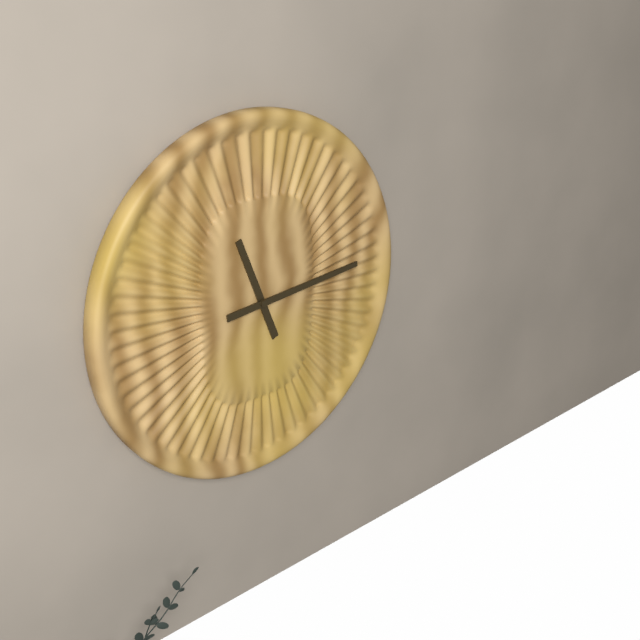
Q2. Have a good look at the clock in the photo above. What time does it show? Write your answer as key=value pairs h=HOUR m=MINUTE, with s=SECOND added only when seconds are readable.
h=11 m=14
